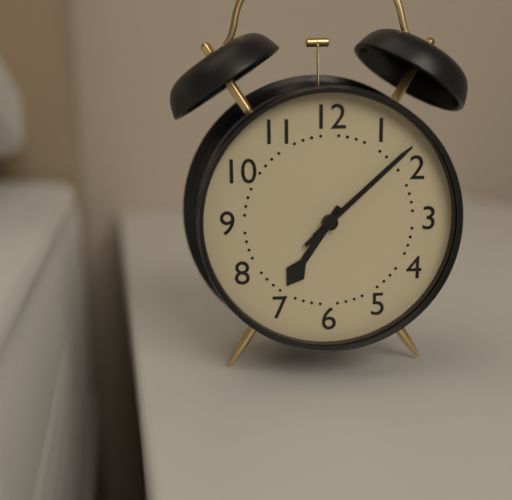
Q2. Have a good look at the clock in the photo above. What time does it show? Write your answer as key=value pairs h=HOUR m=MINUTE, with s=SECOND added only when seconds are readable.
h=7 m=8 s=8
